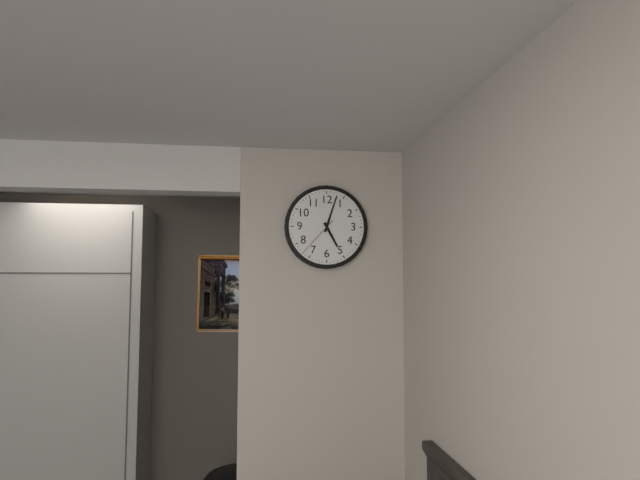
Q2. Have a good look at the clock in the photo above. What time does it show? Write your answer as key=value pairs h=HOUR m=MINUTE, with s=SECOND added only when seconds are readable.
h=5 m=3
